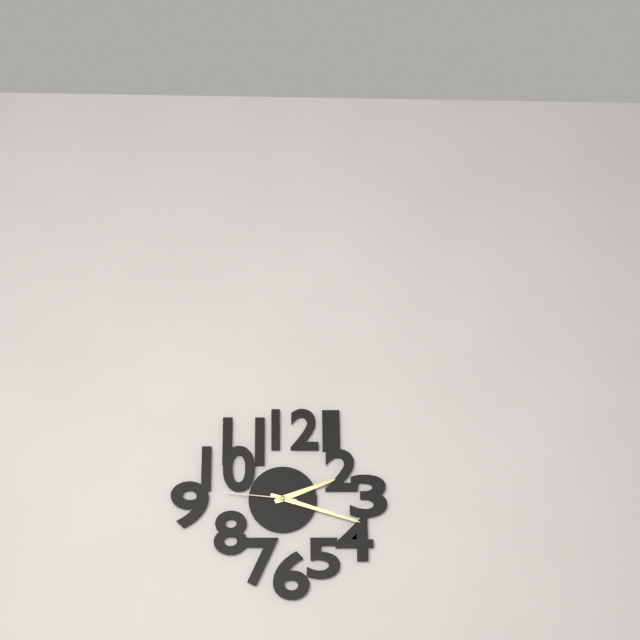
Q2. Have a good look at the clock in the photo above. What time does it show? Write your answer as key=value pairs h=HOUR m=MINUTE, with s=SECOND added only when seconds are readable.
h=2 m=18 s=46
